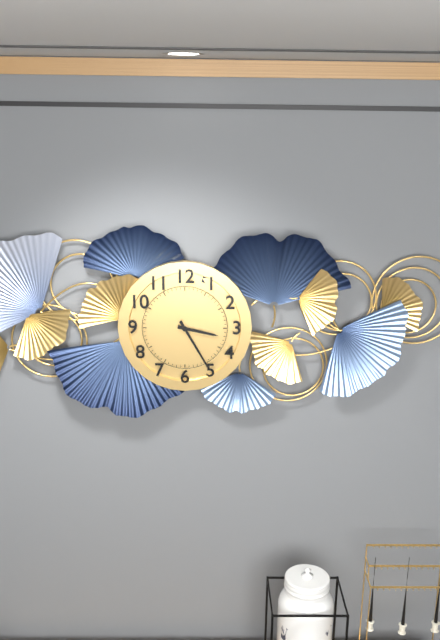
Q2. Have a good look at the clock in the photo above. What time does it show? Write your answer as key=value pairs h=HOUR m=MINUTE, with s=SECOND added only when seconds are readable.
h=3 m=25
